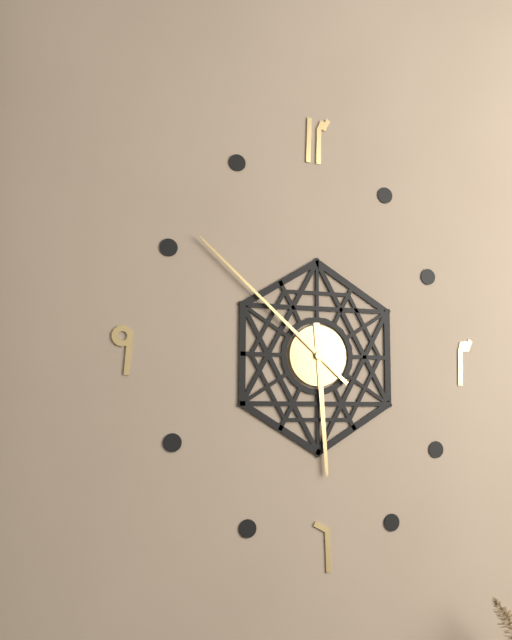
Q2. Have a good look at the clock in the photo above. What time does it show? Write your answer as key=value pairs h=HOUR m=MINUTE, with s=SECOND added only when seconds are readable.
h=5 m=52
